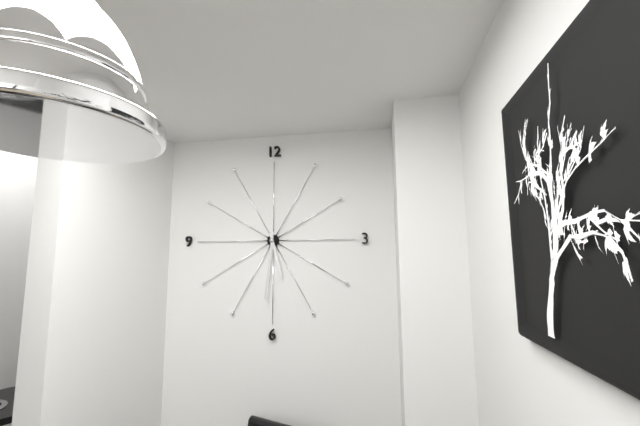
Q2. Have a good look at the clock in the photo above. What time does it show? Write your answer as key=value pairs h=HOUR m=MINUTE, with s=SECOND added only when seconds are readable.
h=5 m=31
